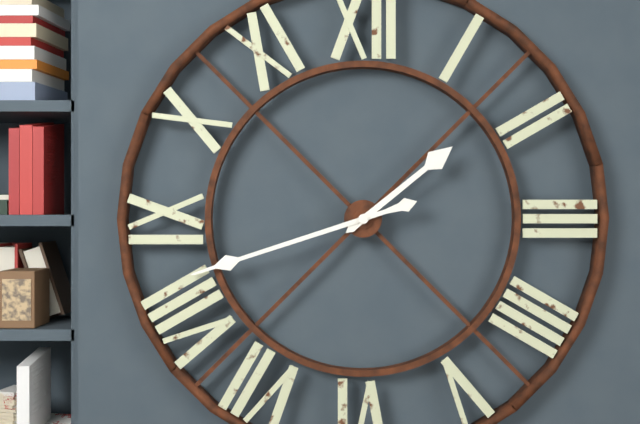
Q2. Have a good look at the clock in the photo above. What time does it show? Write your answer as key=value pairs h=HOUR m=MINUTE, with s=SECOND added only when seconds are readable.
h=1 m=42
